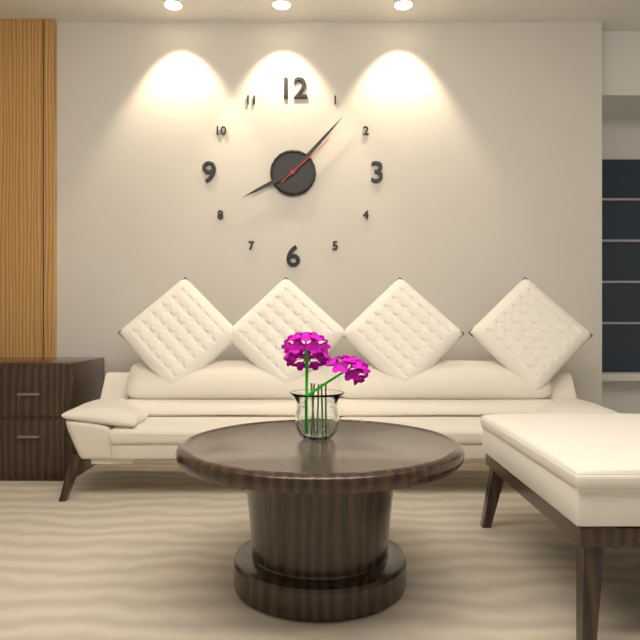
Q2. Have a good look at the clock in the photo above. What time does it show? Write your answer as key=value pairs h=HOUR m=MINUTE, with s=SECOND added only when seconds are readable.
h=8 m=7 s=8
